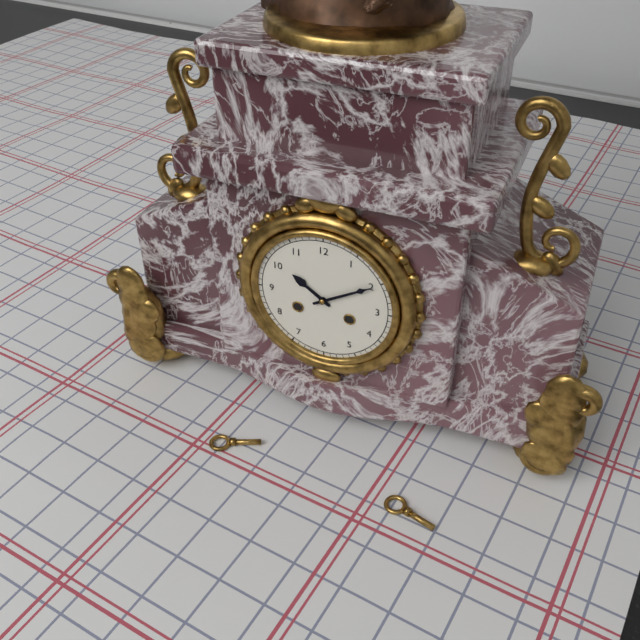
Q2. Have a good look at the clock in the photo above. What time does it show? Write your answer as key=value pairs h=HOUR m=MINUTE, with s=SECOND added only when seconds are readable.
h=10 m=10
